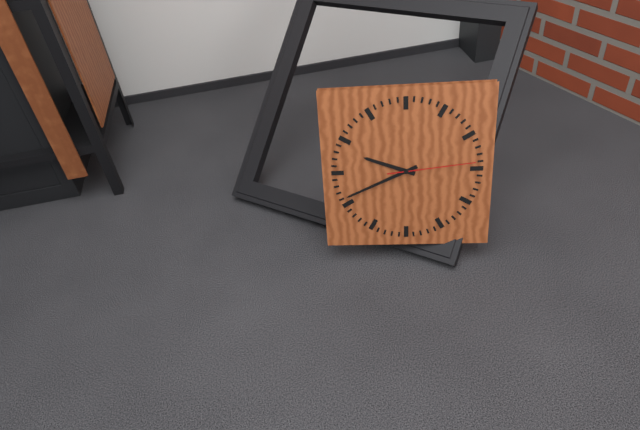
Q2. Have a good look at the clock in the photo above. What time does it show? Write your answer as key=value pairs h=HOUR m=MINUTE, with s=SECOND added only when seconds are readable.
h=9 m=41 s=14
